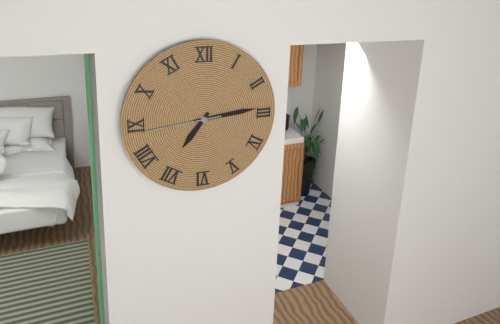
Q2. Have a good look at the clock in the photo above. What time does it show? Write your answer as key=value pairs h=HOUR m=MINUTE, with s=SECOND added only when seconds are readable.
h=7 m=14 s=44
